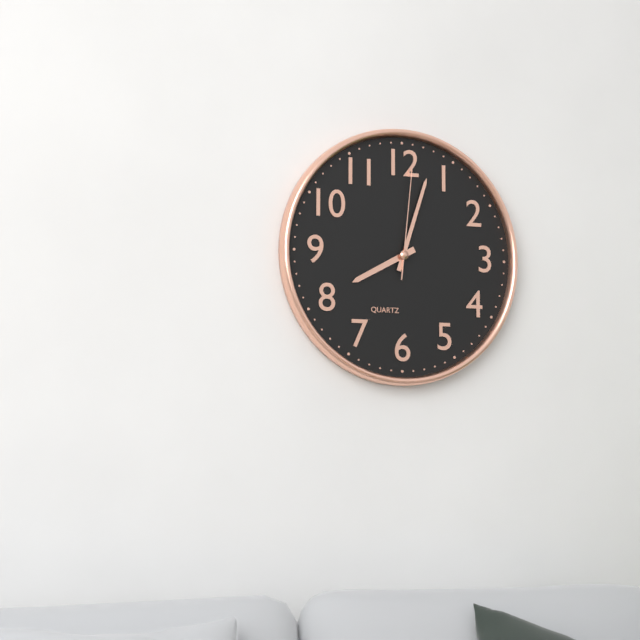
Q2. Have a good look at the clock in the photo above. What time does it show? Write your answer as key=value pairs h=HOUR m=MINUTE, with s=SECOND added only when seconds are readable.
h=8 m=3 s=1
